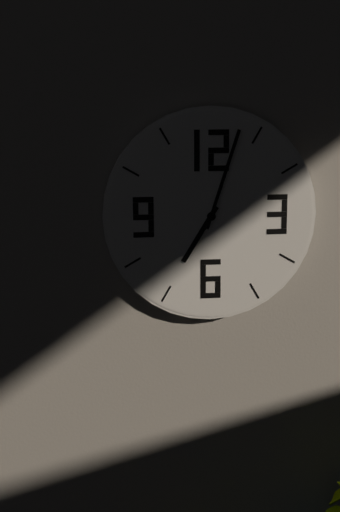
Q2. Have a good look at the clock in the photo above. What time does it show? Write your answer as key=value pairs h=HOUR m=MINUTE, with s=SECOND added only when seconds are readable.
h=7 m=3
